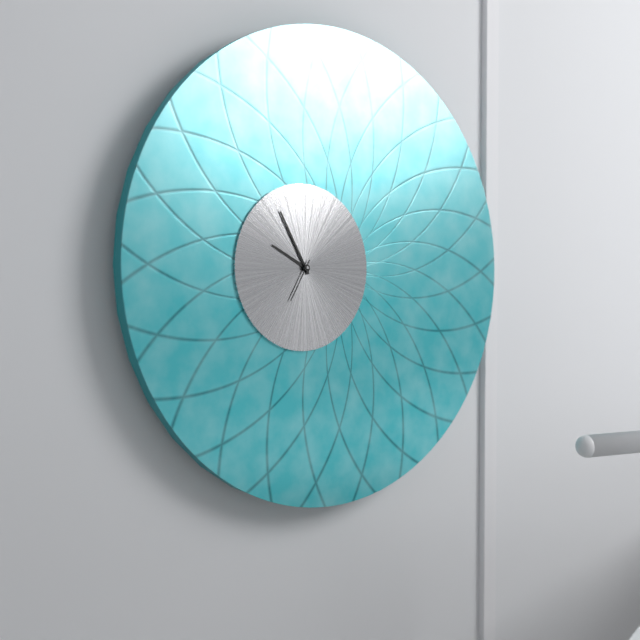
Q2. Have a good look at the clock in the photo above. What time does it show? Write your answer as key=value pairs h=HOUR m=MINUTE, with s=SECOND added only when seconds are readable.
h=9 m=55
